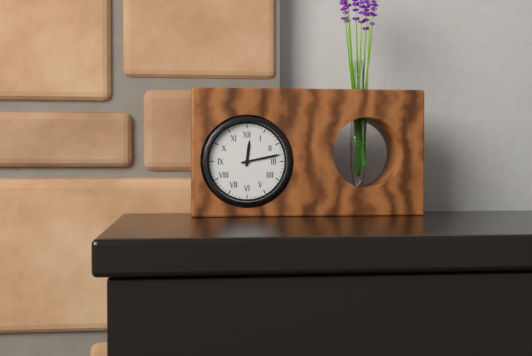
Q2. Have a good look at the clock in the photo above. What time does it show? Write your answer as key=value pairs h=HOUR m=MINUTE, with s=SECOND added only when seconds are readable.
h=12 m=13
